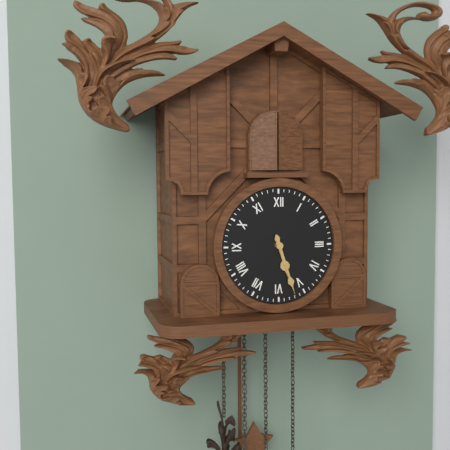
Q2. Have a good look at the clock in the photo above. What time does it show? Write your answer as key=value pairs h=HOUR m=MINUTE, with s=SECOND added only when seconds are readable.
h=5 m=27
